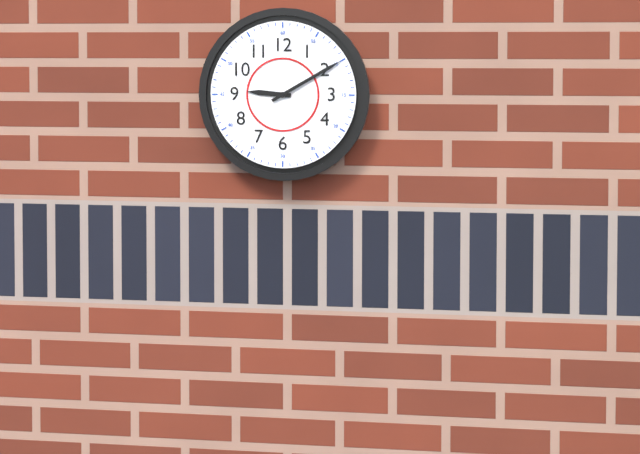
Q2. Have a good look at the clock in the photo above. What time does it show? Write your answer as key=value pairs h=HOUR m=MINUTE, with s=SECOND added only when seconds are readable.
h=9 m=10
